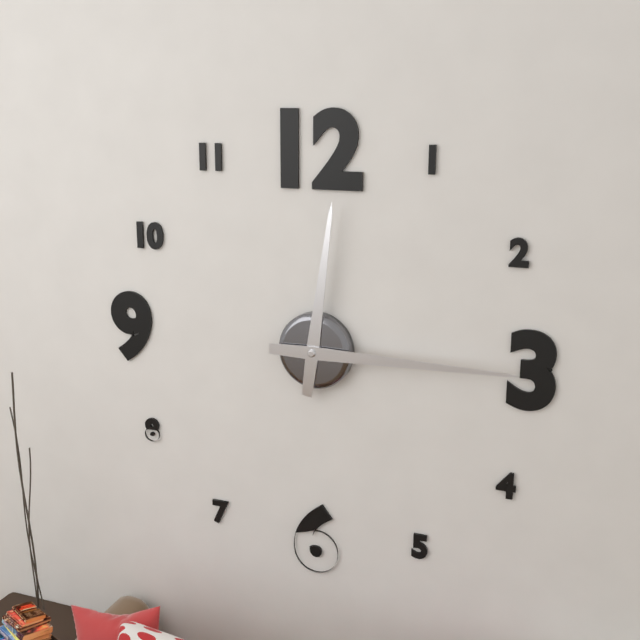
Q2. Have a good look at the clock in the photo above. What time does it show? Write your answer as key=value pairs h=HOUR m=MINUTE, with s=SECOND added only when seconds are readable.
h=12 m=15
